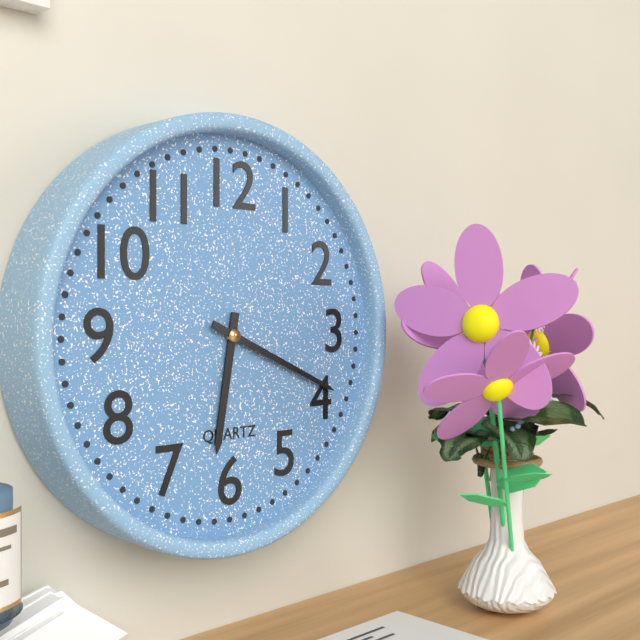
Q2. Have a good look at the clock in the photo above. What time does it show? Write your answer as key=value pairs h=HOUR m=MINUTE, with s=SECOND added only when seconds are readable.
h=6 m=19
